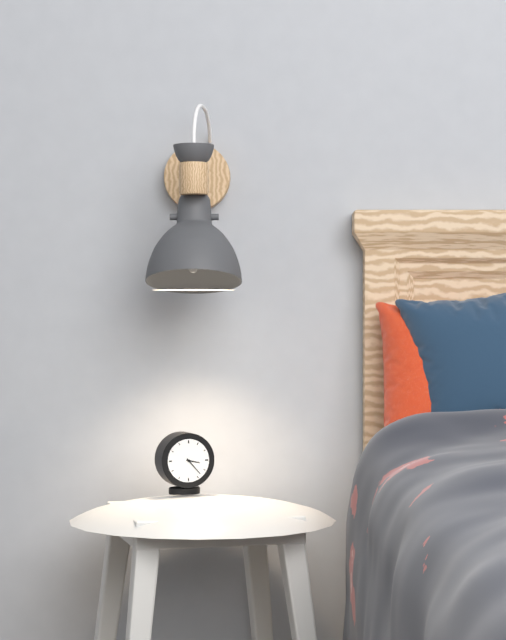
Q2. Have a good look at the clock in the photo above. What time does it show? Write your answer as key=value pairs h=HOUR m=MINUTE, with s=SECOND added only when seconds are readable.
h=3 m=23
